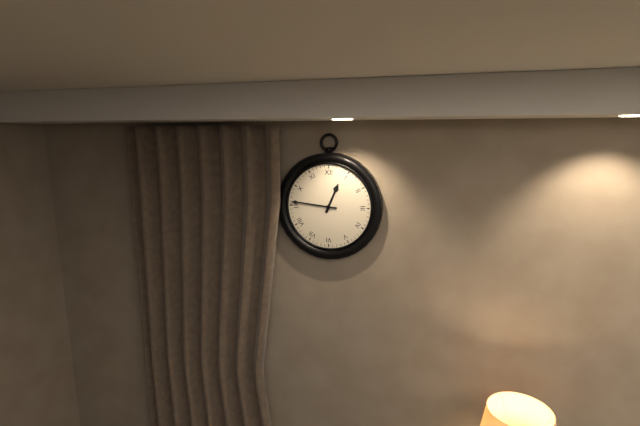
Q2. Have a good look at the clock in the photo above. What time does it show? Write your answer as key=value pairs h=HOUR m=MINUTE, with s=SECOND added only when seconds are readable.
h=12 m=46
